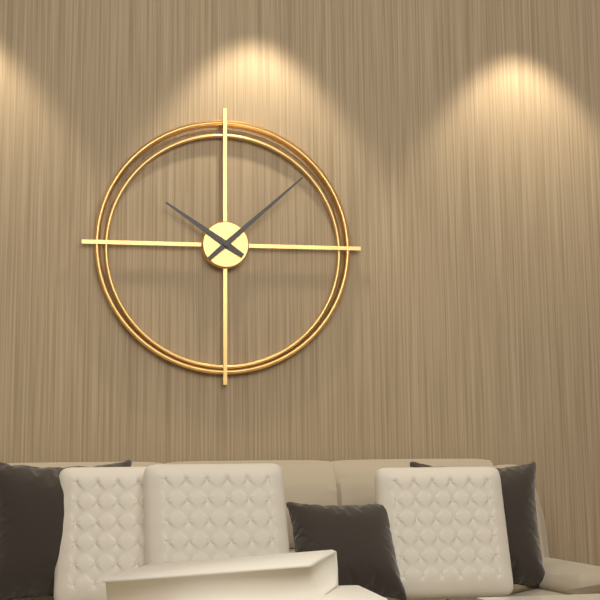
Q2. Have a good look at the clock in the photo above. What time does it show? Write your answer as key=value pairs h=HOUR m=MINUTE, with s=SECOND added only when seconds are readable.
h=10 m=8
